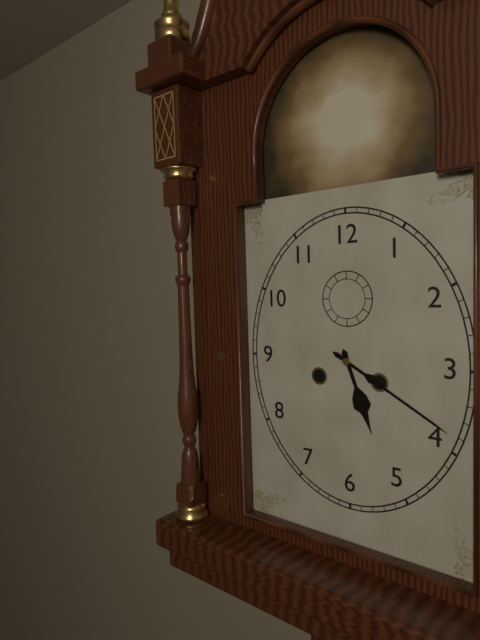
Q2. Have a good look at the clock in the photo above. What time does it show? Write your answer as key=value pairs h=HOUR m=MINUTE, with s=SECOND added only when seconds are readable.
h=5 m=20
